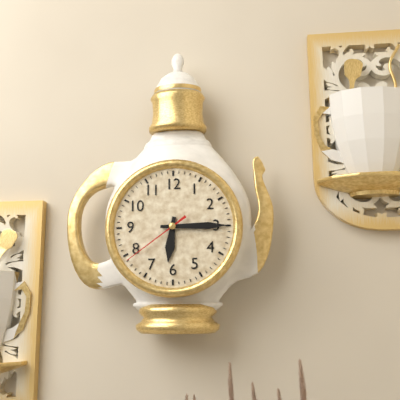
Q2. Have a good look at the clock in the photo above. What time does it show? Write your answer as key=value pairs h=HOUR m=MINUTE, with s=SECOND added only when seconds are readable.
h=6 m=15 s=39
